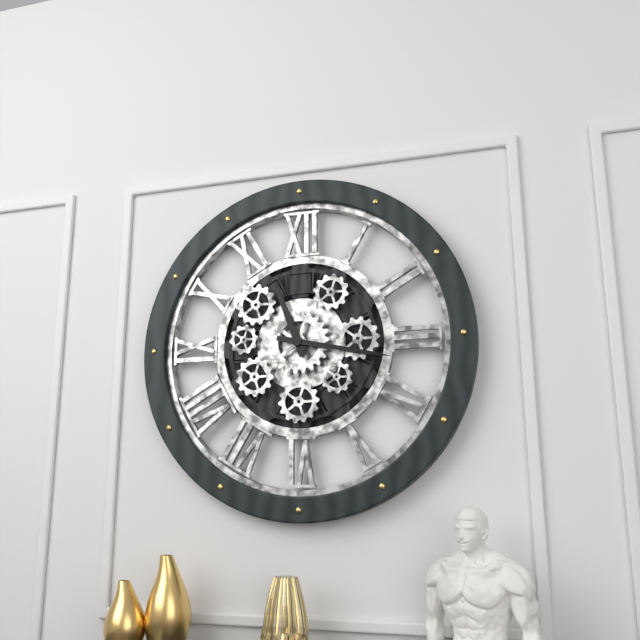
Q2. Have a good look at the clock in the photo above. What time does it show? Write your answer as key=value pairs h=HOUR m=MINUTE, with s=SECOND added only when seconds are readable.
h=11 m=17
